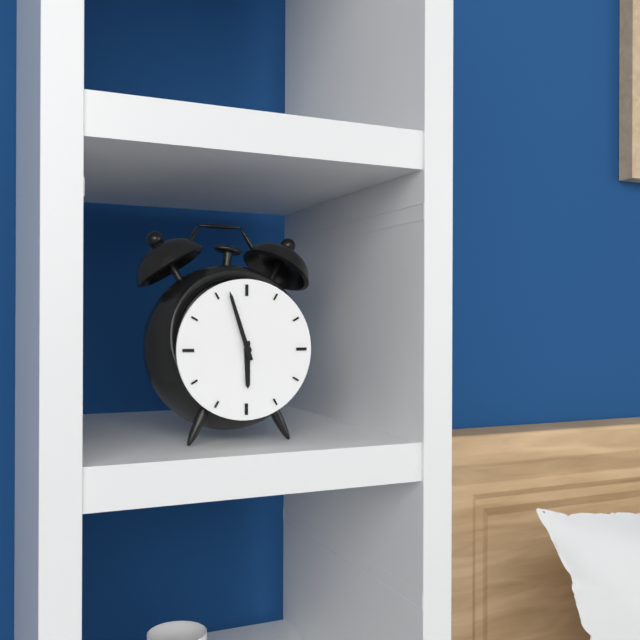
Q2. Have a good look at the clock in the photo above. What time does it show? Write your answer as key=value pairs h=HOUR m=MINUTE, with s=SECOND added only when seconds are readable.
h=5 m=57
